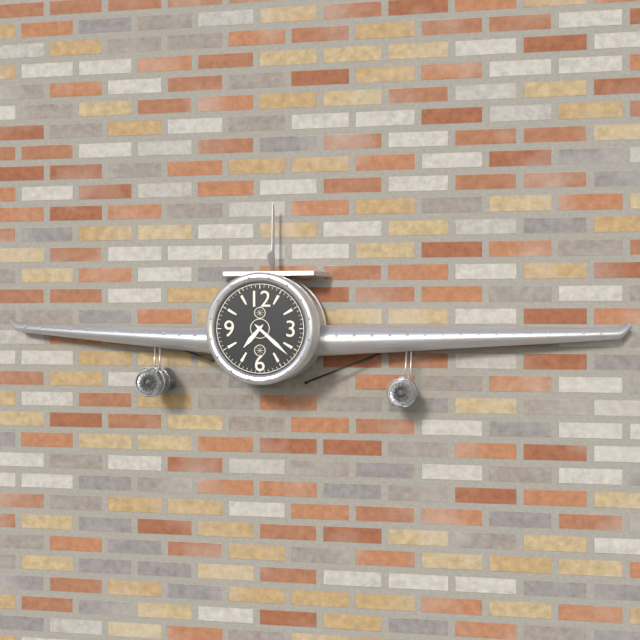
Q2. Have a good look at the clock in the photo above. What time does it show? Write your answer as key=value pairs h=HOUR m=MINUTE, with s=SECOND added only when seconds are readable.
h=7 m=22
